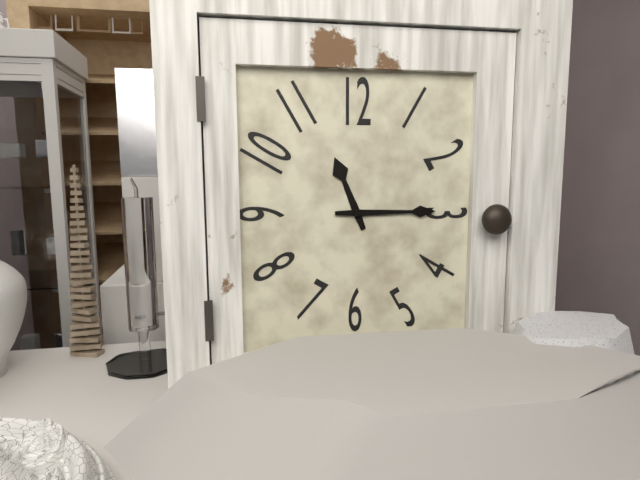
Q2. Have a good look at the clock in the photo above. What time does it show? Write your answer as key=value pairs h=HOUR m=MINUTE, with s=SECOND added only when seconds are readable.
h=11 m=15
